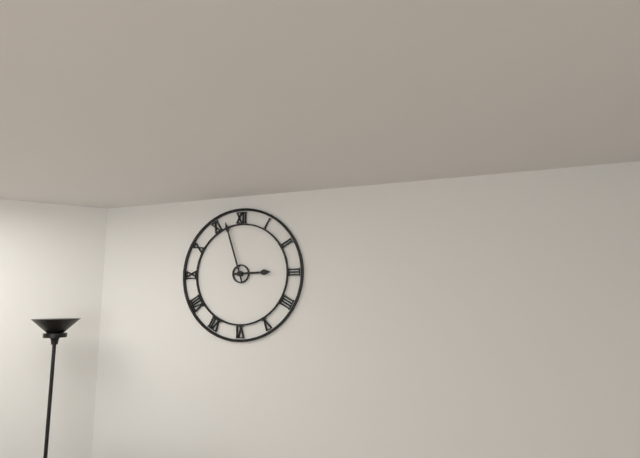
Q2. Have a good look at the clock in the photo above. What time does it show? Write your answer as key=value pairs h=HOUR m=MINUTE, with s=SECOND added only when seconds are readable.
h=2 m=57
